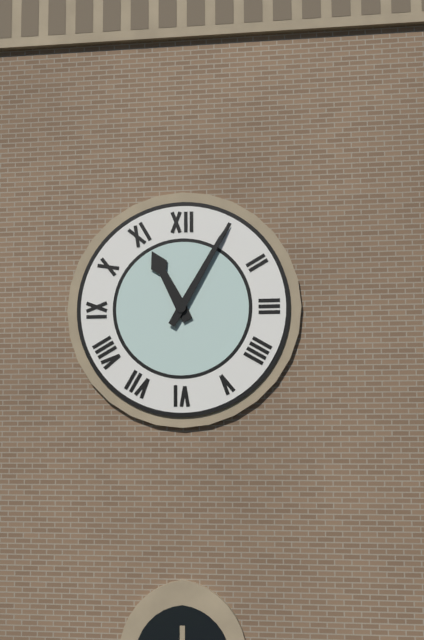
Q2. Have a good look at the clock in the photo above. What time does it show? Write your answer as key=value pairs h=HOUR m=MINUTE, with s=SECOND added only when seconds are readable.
h=11 m=5
